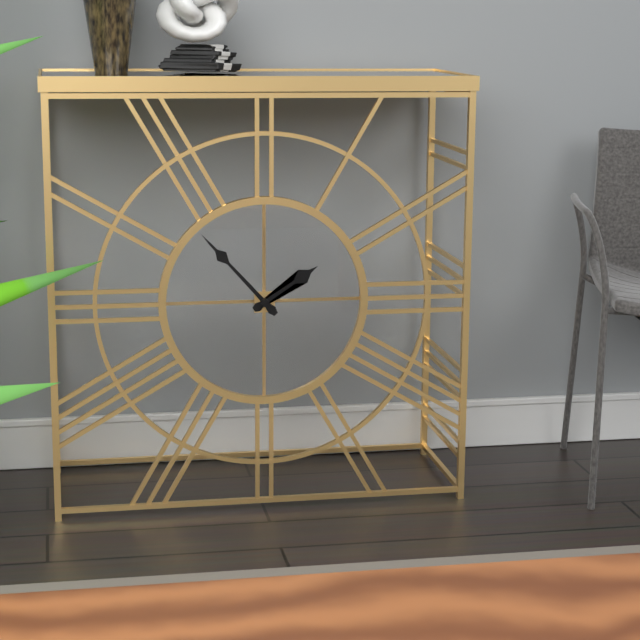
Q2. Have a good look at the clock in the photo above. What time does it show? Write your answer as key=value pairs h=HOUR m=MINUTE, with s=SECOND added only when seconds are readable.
h=1 m=53
